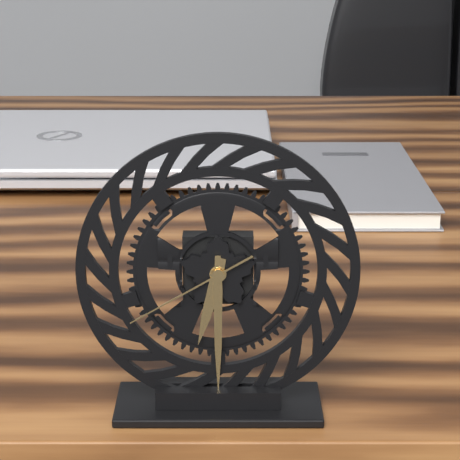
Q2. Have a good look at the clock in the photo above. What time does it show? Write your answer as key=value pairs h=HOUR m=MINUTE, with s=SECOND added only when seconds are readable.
h=6 m=30 s=40
